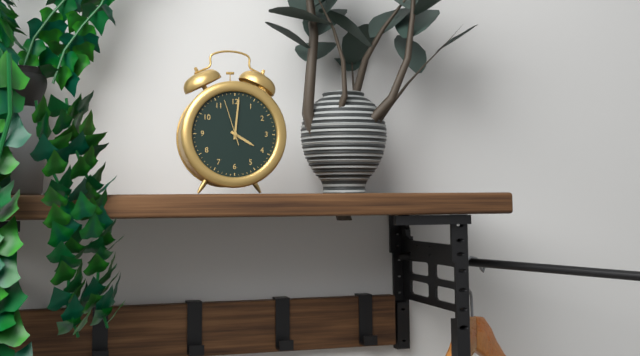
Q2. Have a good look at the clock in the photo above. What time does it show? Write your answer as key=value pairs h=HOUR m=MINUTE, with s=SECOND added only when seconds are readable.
h=4 m=1
